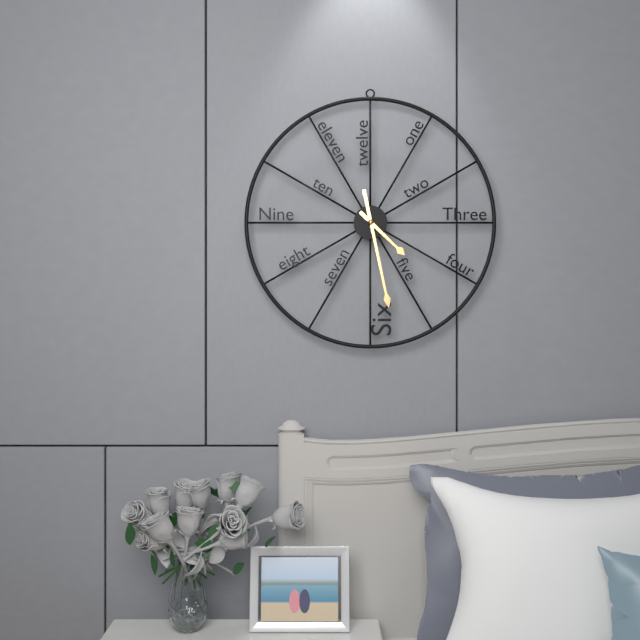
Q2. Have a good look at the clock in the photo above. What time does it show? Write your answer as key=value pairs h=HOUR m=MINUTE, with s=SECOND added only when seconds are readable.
h=4 m=28
